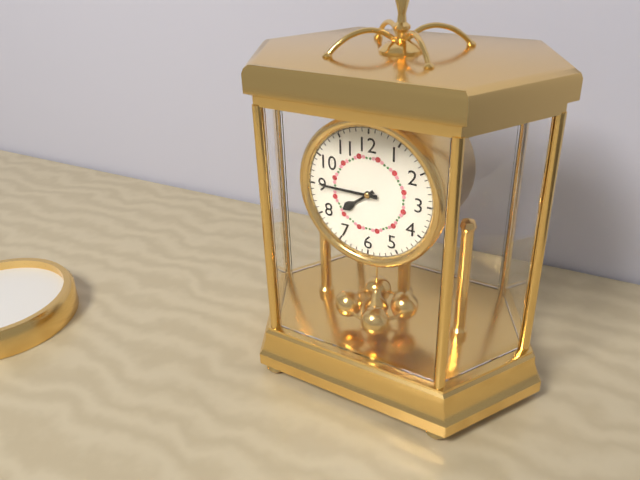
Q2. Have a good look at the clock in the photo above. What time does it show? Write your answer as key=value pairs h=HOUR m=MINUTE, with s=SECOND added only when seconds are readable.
h=7 m=45
